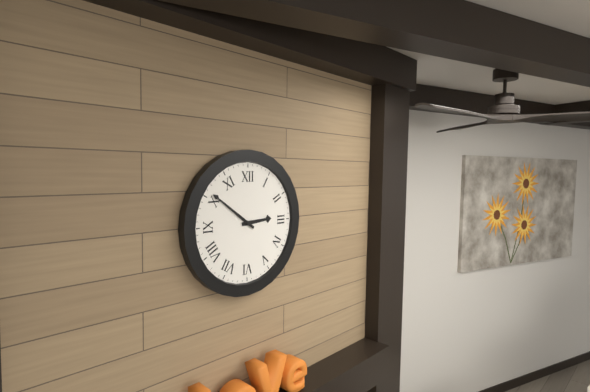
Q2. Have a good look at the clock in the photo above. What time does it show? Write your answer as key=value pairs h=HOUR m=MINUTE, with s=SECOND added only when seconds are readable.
h=2 m=51
